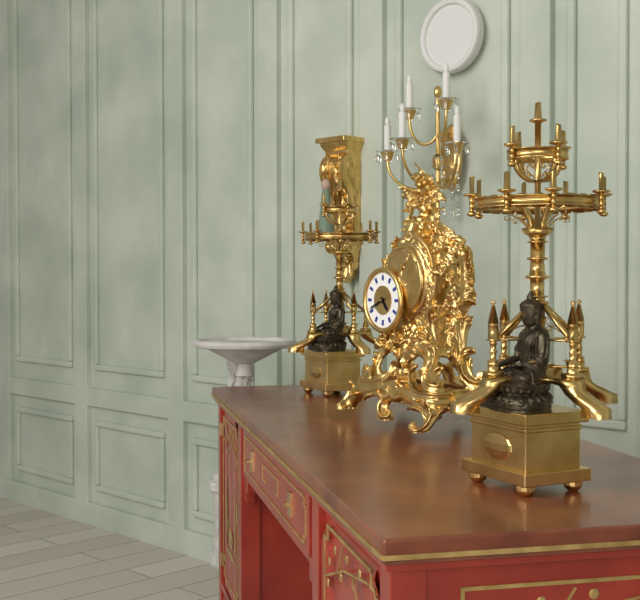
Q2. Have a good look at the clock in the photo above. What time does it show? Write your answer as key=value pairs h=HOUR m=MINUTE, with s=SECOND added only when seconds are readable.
h=4 m=41
